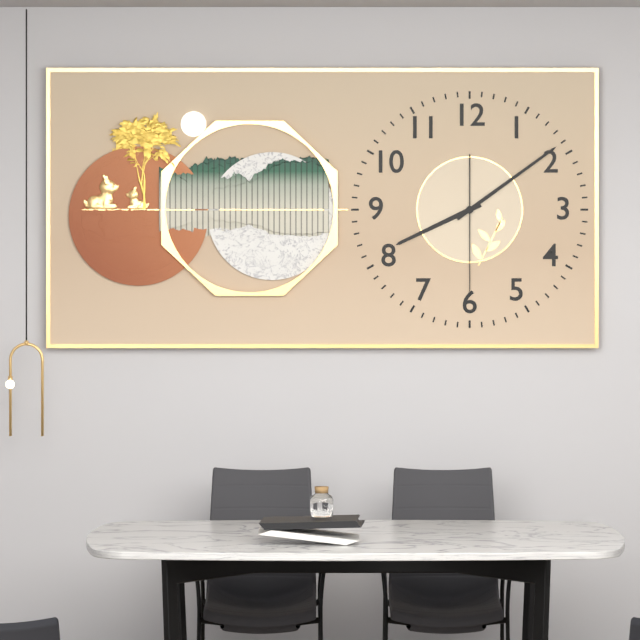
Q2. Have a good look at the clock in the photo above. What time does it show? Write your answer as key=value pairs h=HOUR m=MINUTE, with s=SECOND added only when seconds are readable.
h=8 m=9 s=30
